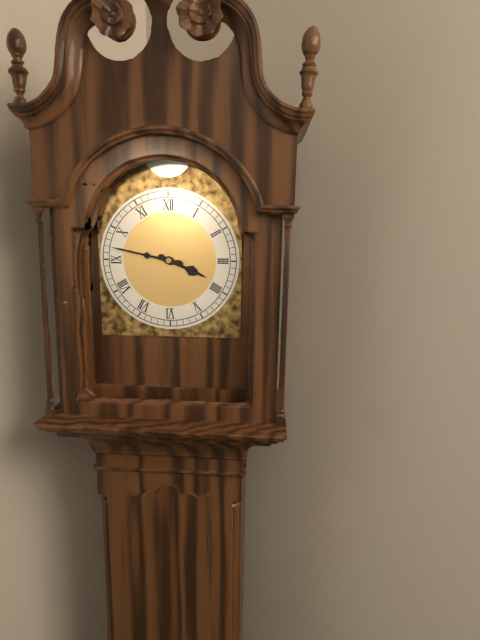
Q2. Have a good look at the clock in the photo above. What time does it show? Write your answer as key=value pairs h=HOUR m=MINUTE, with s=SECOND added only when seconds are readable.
h=3 m=47
